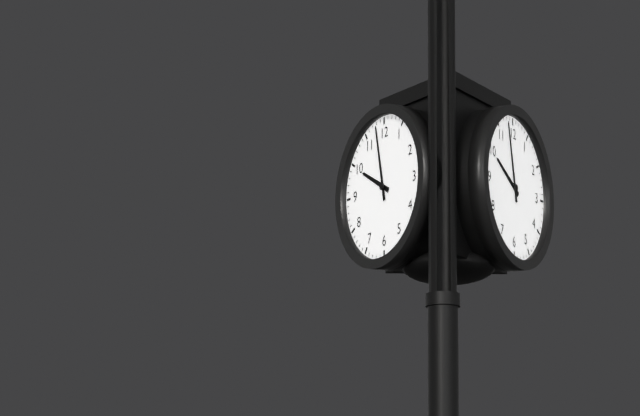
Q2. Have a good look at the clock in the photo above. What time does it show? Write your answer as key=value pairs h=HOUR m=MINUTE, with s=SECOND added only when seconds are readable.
h=9 m=58
